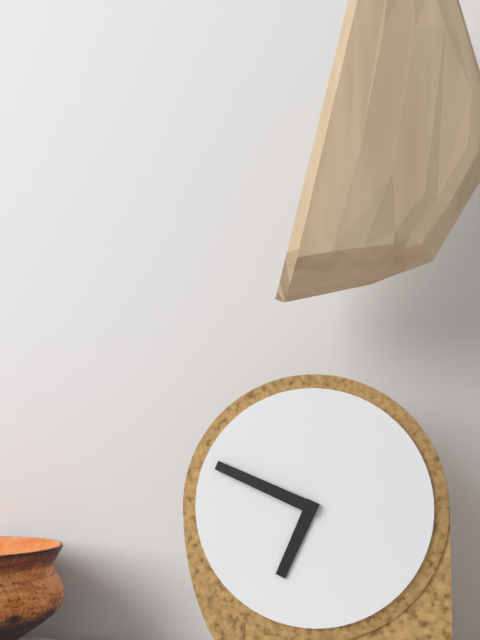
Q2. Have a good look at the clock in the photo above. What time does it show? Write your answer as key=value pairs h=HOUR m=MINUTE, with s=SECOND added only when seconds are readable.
h=6 m=49
